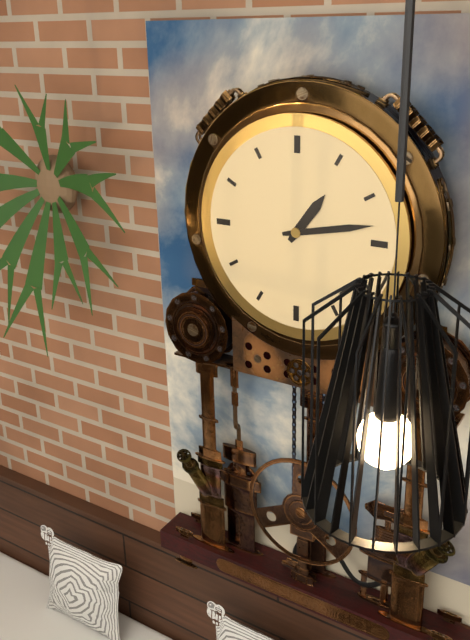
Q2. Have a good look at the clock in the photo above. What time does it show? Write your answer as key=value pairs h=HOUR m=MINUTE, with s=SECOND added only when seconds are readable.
h=1 m=13
